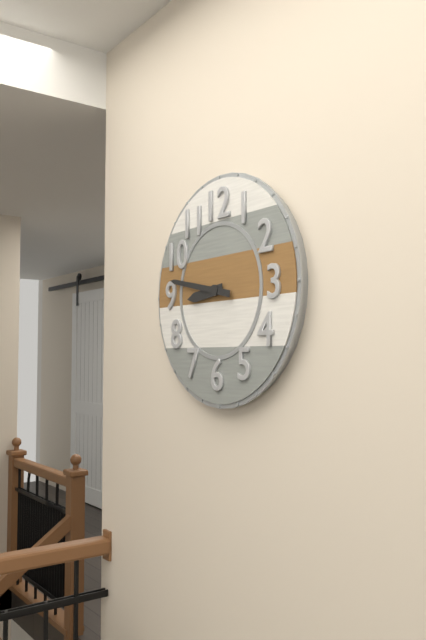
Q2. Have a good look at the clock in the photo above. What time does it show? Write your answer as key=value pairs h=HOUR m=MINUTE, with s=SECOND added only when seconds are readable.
h=8 m=47
